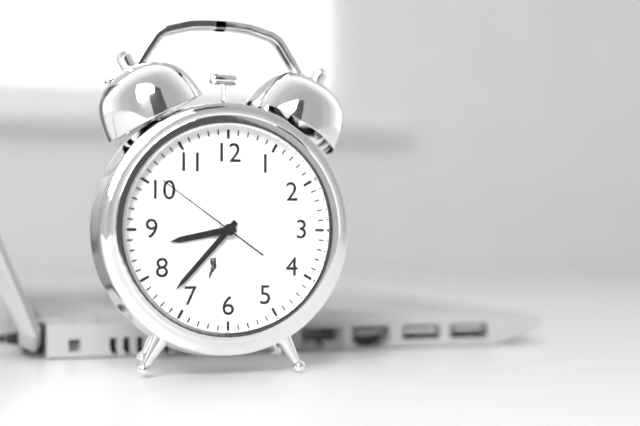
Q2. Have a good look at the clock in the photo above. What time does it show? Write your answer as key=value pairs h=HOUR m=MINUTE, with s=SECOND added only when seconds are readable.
h=8 m=37 s=51
